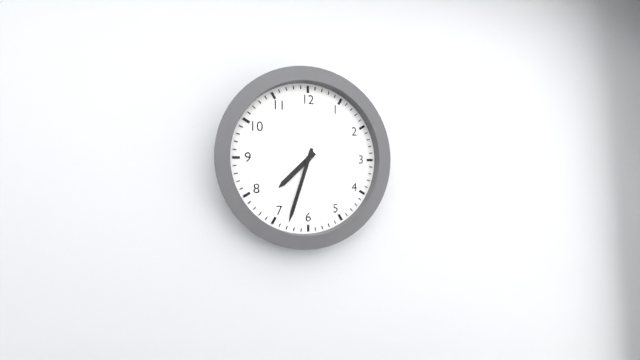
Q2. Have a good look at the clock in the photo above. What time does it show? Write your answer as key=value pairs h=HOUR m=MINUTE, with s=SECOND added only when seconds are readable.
h=7 m=33
